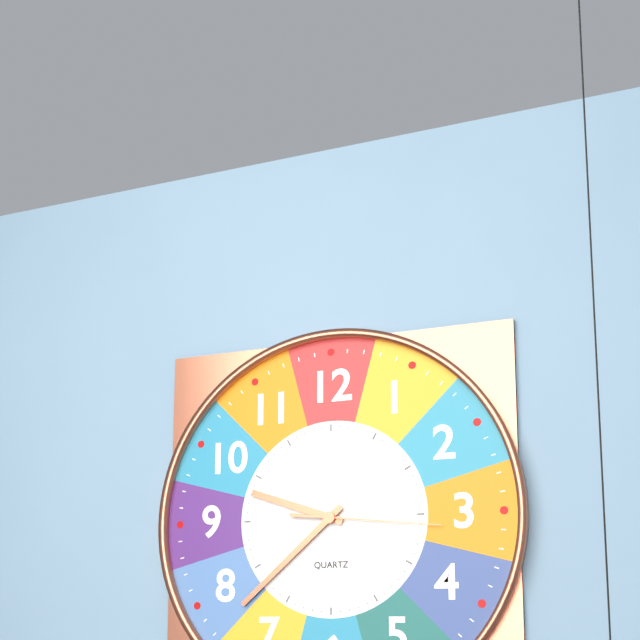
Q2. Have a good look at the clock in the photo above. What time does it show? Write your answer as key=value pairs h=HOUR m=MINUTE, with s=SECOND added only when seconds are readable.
h=9 m=38 s=16
